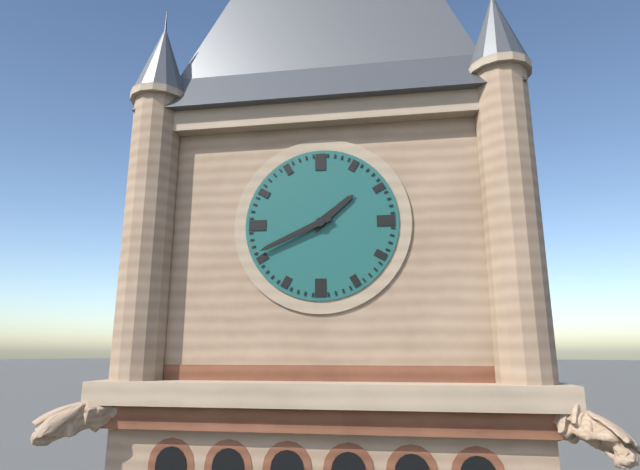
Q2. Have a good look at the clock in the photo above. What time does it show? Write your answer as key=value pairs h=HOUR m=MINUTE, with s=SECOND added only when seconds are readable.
h=1 m=41
